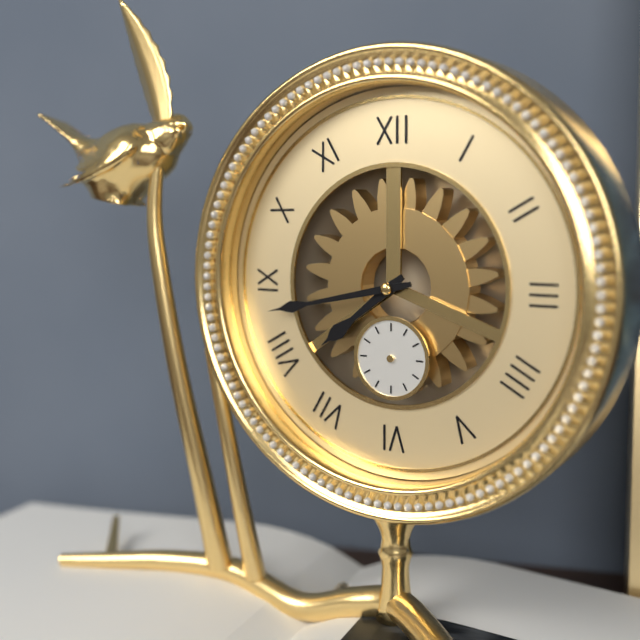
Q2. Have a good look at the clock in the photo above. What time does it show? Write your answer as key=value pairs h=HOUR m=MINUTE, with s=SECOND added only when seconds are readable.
h=7 m=43
